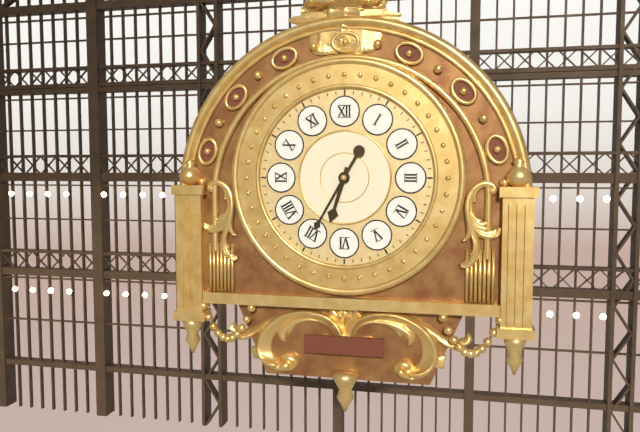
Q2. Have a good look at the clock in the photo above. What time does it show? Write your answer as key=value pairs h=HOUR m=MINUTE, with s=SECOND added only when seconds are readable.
h=6 m=35
